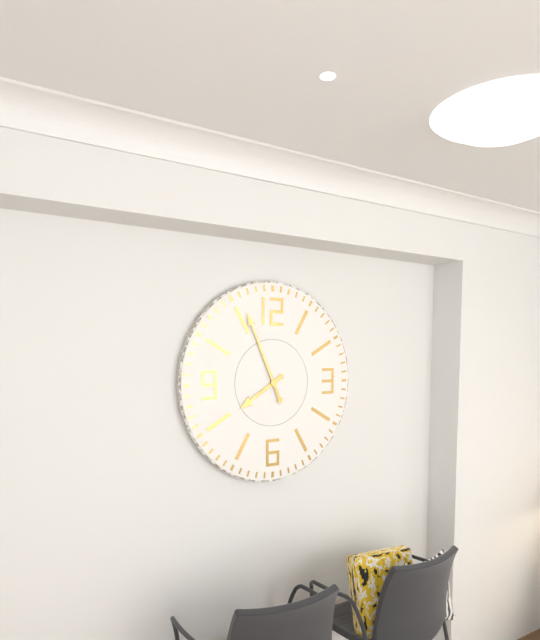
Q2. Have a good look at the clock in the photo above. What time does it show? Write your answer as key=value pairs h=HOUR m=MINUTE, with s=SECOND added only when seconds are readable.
h=7 m=56
